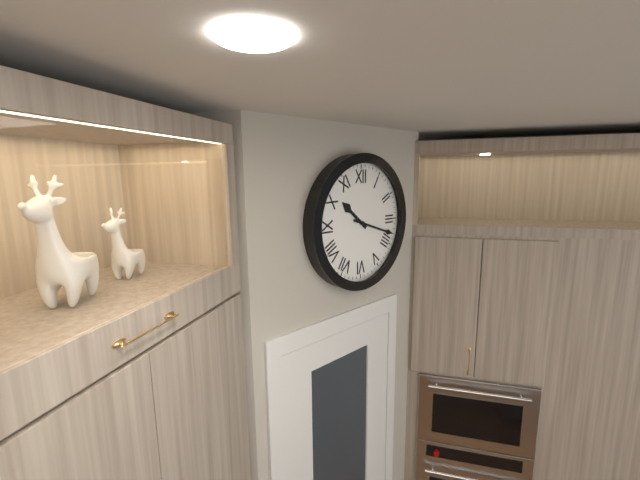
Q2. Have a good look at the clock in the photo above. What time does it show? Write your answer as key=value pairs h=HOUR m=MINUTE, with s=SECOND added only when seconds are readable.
h=10 m=18
